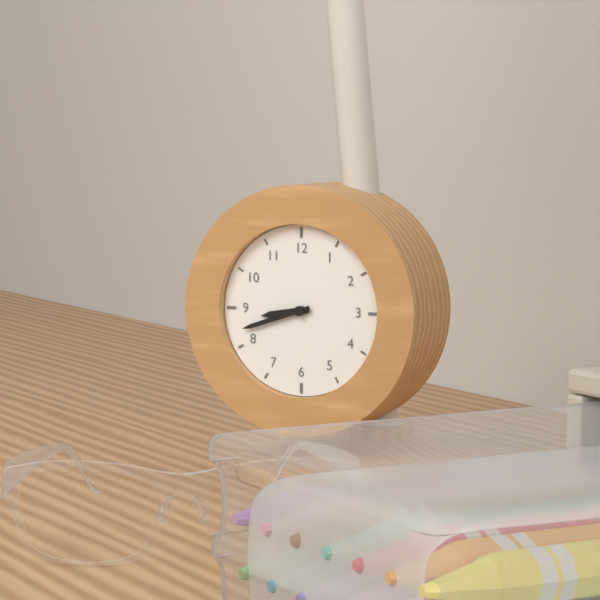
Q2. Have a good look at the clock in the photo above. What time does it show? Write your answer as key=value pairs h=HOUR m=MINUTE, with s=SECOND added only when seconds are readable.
h=8 m=42
